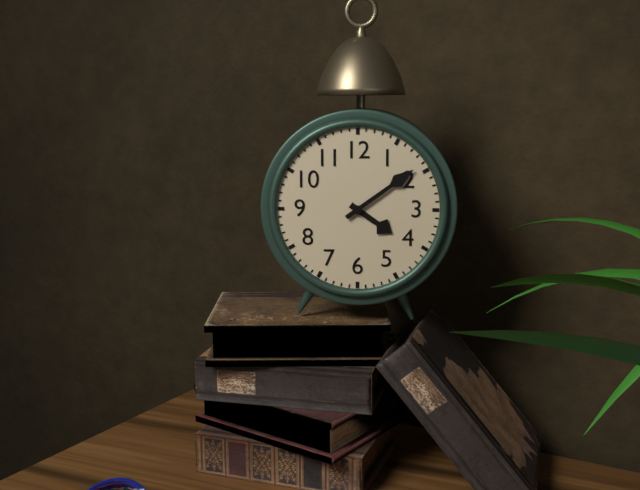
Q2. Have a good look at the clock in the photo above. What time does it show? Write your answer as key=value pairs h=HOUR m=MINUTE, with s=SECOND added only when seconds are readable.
h=4 m=9
